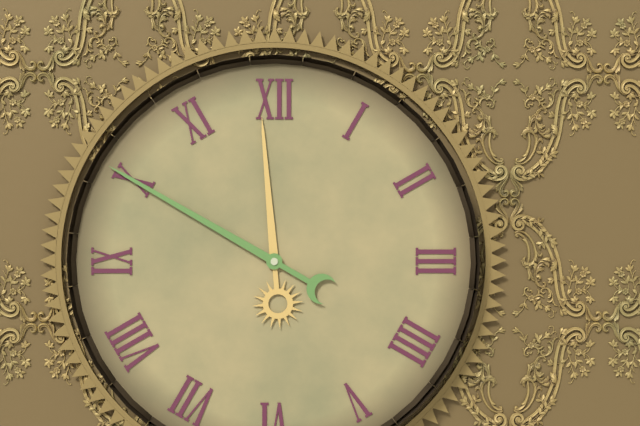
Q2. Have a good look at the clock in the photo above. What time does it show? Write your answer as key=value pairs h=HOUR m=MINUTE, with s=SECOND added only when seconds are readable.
h=11 m=50
